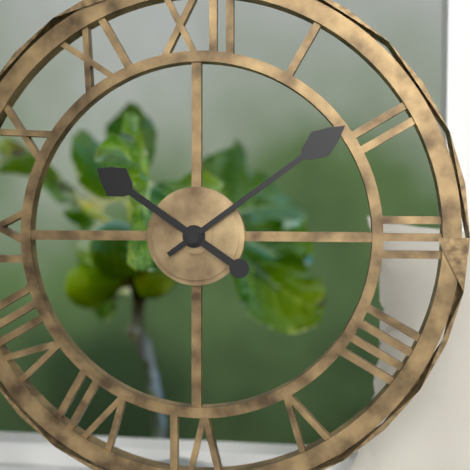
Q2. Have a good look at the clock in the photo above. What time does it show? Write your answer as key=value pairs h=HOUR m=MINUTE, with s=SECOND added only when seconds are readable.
h=10 m=9
